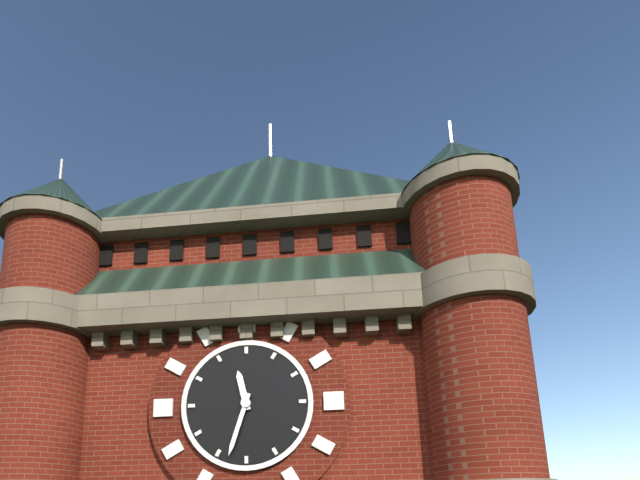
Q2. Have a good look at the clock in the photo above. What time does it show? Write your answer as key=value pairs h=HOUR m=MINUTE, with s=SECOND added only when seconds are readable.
h=11 m=33
